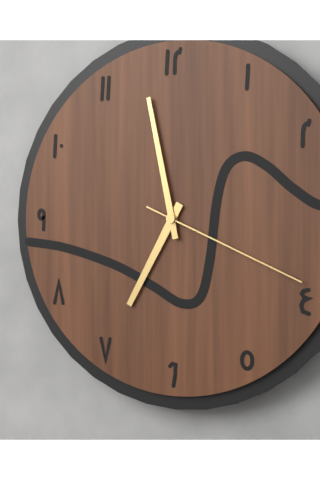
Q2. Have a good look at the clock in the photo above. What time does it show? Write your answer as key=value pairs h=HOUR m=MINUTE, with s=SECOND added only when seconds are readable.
h=6 m=58 s=19
